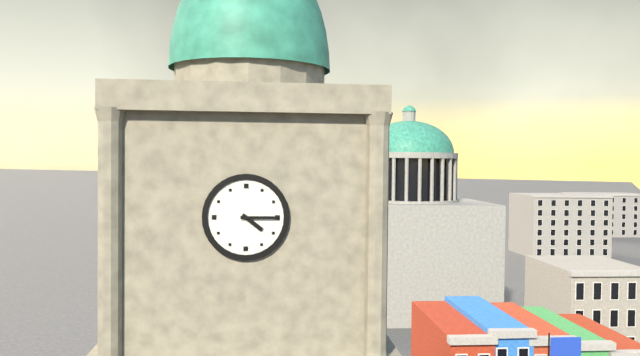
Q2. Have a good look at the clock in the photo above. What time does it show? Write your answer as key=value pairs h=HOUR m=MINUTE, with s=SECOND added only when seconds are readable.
h=4 m=15
